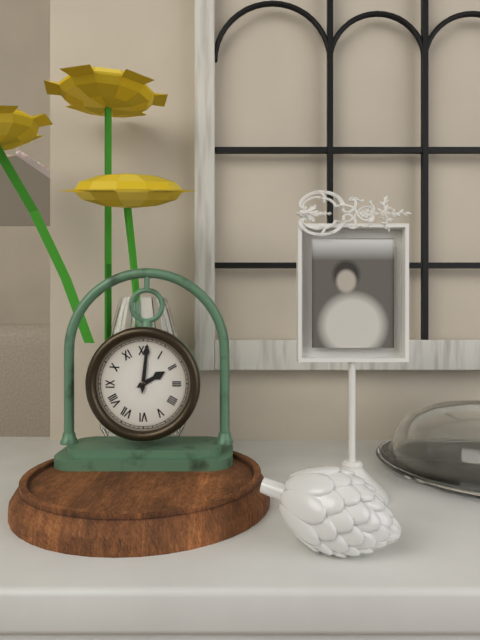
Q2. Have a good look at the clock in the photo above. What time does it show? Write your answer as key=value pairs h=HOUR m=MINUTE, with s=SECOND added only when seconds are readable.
h=2 m=1
